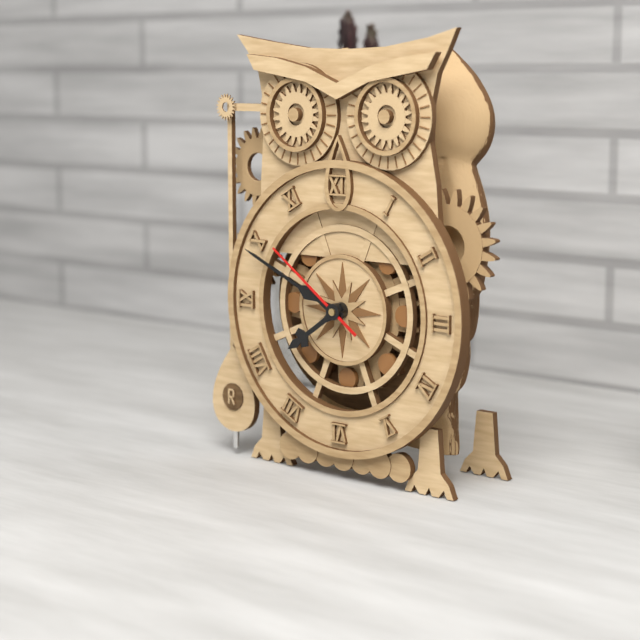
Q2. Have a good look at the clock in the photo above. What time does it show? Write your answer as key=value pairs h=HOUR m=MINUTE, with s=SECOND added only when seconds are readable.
h=7 m=49 s=51
